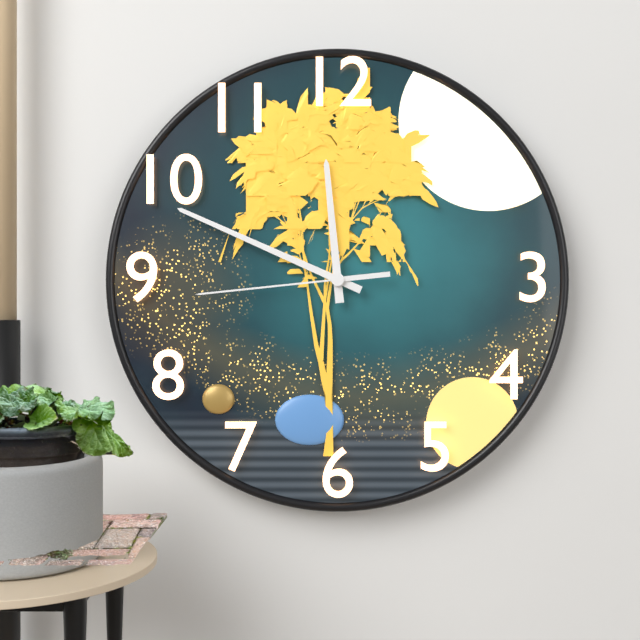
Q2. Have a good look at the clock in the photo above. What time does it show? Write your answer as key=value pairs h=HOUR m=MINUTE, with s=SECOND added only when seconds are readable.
h=11 m=49 s=44
